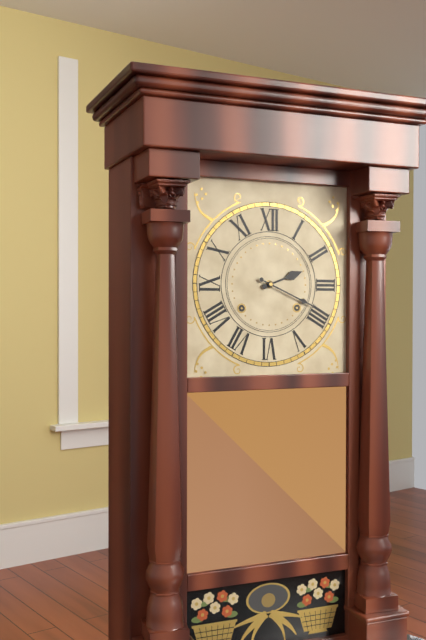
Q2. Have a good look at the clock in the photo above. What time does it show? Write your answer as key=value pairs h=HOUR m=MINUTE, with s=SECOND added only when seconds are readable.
h=2 m=19
